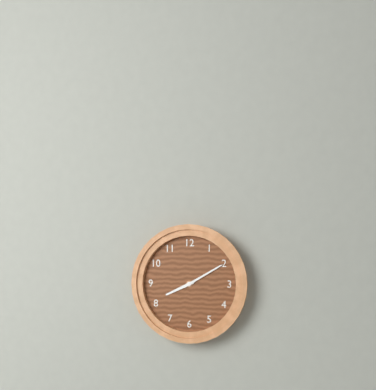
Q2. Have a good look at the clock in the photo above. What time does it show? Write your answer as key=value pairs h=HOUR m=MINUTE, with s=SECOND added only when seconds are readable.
h=8 m=10
